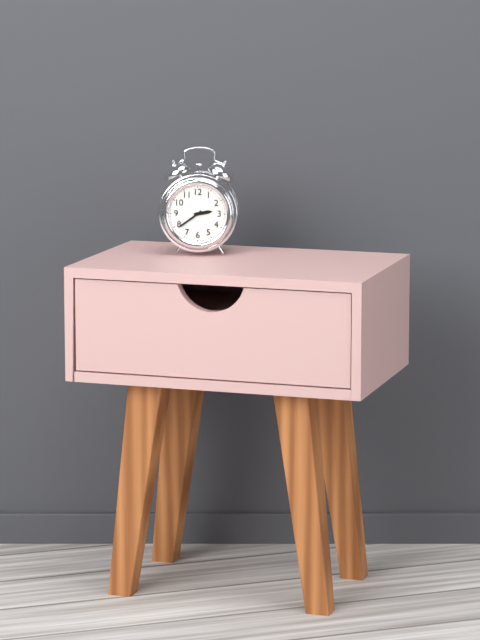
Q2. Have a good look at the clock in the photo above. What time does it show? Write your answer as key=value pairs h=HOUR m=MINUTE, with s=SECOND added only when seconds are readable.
h=2 m=39
